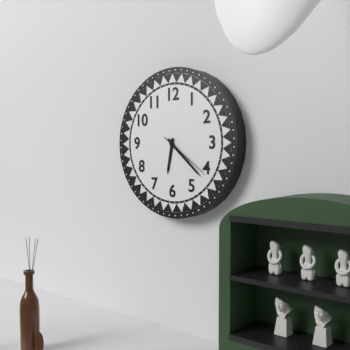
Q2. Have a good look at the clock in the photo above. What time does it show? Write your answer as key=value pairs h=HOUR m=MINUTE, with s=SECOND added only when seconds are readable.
h=6 m=22 s=21
